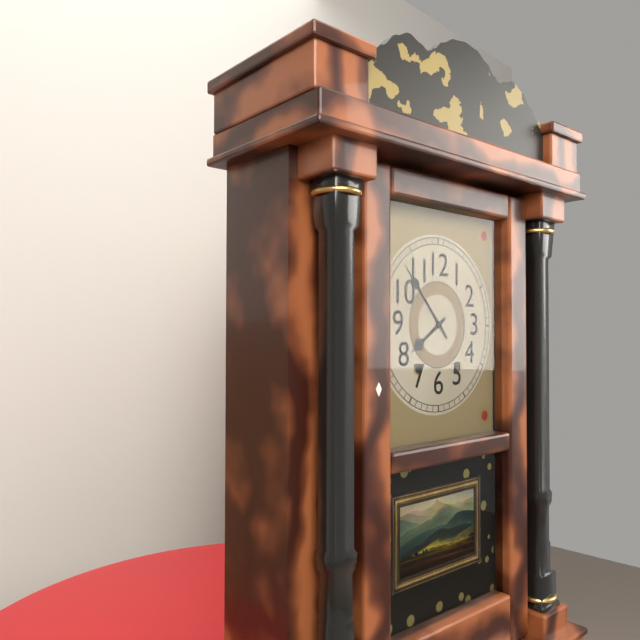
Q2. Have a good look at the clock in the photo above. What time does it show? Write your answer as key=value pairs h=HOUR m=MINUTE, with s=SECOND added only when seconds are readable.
h=7 m=53
